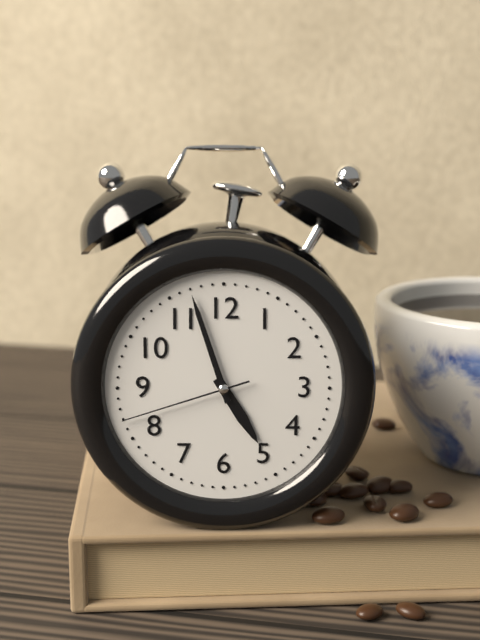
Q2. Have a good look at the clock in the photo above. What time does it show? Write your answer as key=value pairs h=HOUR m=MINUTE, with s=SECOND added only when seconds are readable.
h=4 m=57 s=42
